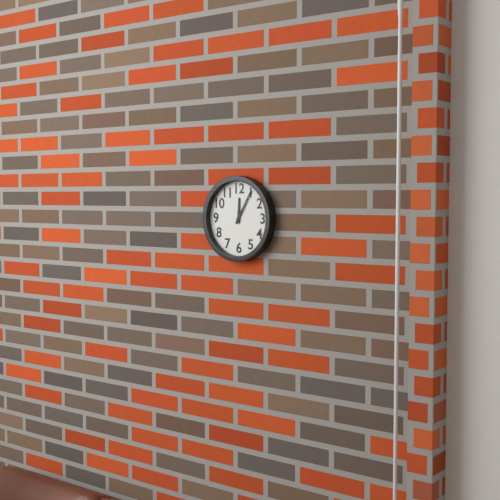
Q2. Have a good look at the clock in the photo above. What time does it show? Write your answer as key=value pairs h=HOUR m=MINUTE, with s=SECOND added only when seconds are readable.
h=12 m=5
